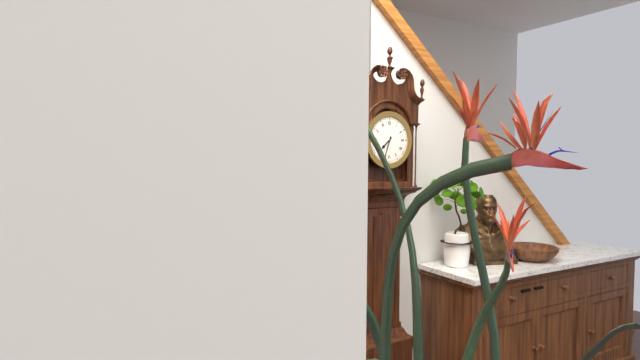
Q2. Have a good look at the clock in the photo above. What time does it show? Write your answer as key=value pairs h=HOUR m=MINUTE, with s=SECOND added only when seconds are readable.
h=7 m=33
